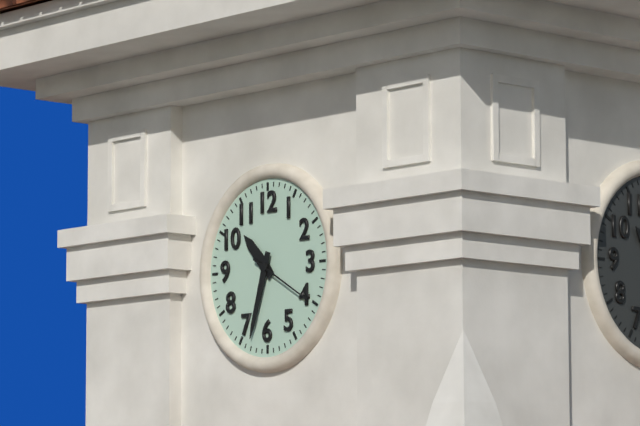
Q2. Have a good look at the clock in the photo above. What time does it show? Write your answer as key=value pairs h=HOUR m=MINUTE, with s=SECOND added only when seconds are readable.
h=10 m=33 s=20
